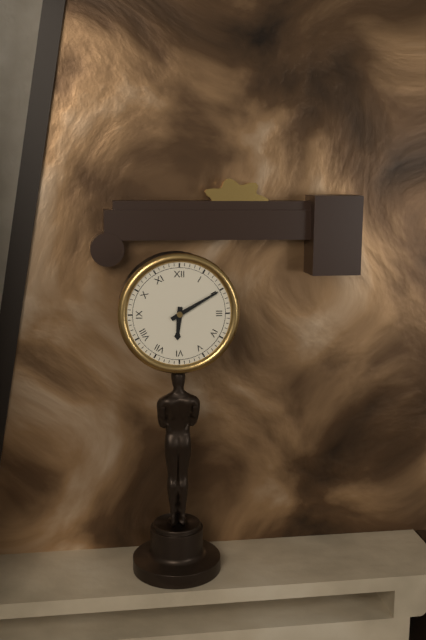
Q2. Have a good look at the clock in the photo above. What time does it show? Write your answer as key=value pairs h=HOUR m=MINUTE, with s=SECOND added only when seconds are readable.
h=6 m=10
